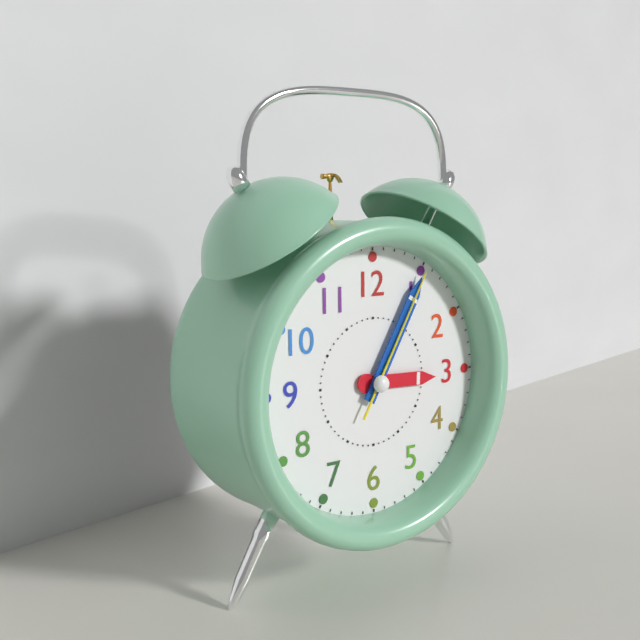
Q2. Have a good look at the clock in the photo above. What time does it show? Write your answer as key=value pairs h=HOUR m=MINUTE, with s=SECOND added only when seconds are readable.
h=3 m=5 s=5
